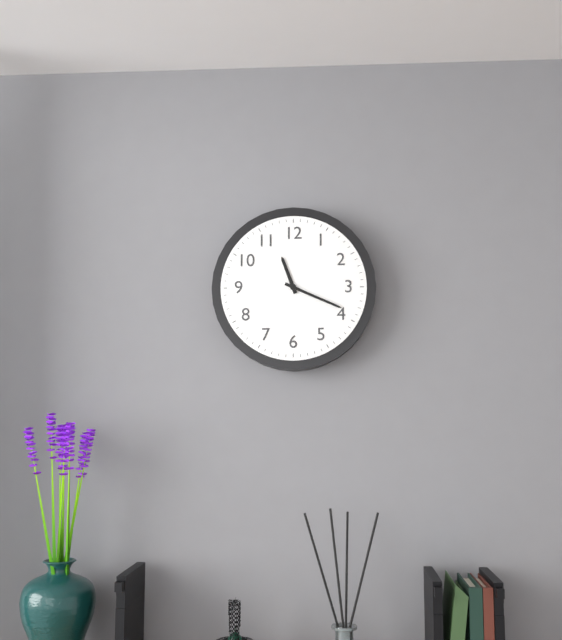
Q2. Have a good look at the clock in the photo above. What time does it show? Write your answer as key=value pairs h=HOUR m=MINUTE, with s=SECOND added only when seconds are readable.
h=11 m=19
